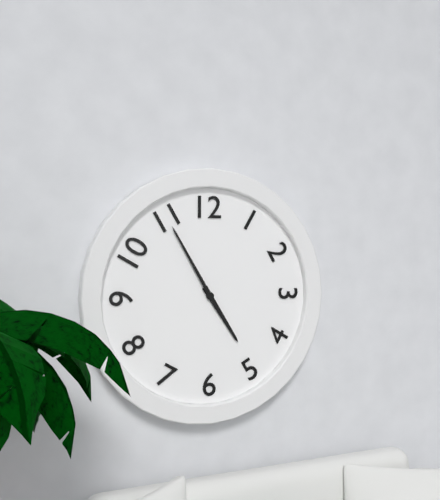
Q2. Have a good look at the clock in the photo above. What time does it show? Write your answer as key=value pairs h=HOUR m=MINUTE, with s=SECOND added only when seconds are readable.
h=4 m=55
